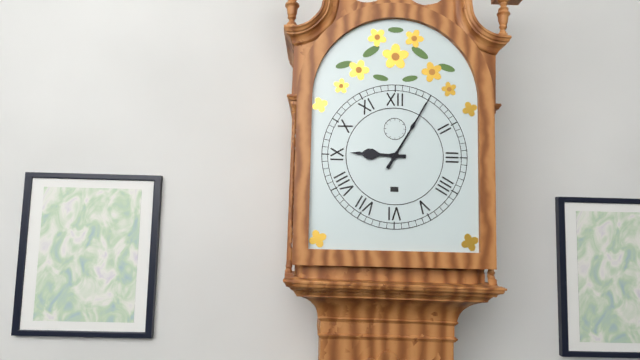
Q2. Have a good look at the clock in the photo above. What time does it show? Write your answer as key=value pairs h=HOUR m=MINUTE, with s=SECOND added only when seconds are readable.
h=9 m=5
